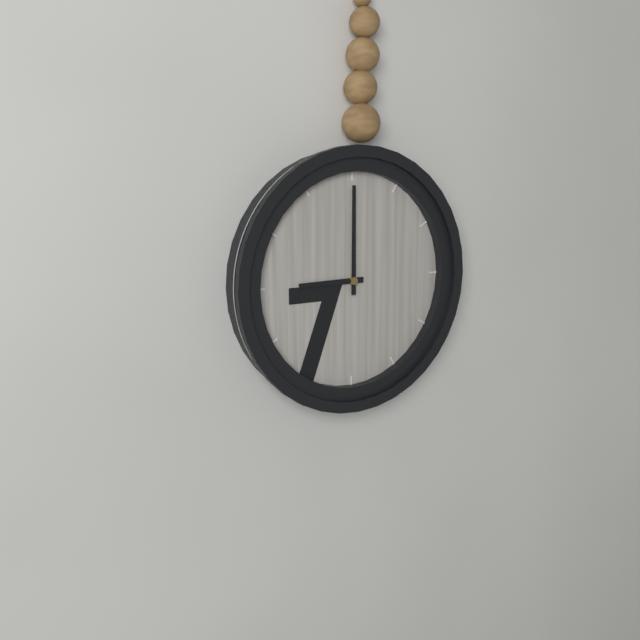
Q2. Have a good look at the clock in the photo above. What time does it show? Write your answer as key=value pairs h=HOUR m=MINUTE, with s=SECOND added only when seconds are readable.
h=9 m=0
